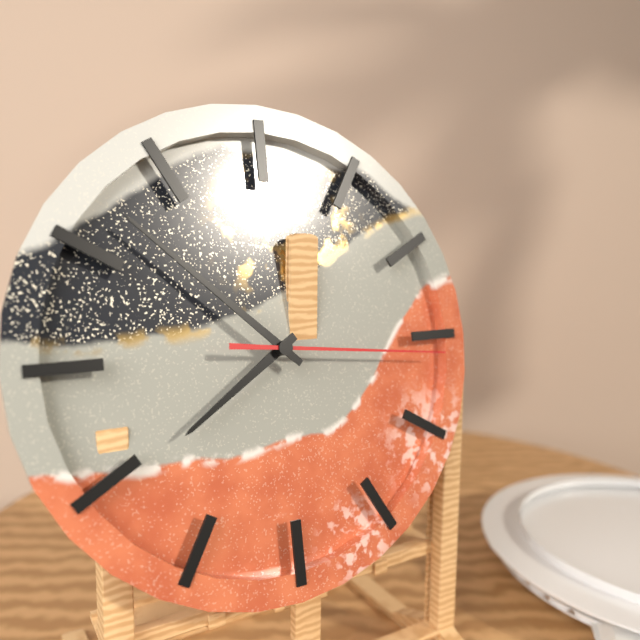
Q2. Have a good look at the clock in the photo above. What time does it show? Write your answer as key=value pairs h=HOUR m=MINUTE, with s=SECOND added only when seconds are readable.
h=7 m=52 s=16
